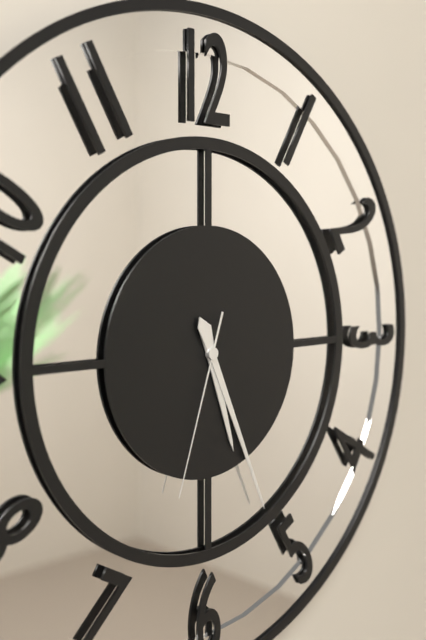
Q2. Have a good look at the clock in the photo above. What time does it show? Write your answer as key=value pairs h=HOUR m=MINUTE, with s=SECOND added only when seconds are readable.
h=5 m=26 s=33
